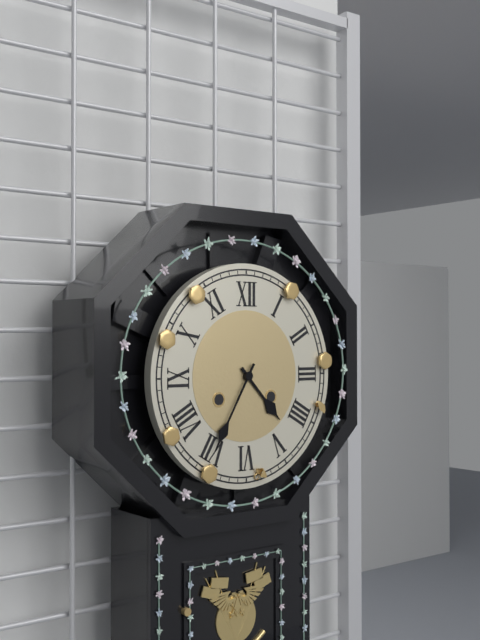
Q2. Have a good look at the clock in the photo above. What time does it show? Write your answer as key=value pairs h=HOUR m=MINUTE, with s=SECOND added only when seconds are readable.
h=4 m=35
